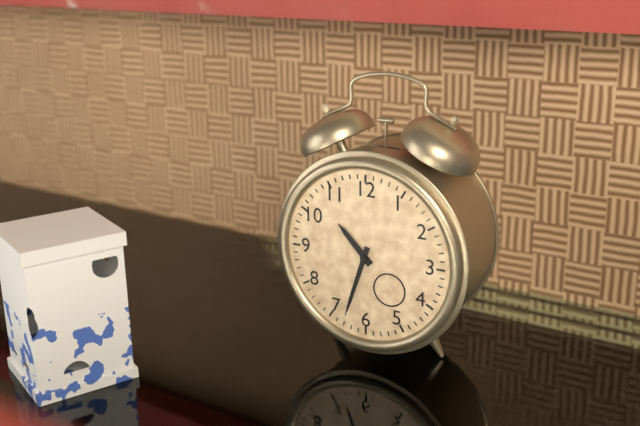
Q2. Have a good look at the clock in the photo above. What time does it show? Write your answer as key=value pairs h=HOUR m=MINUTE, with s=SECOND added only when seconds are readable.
h=10 m=33
